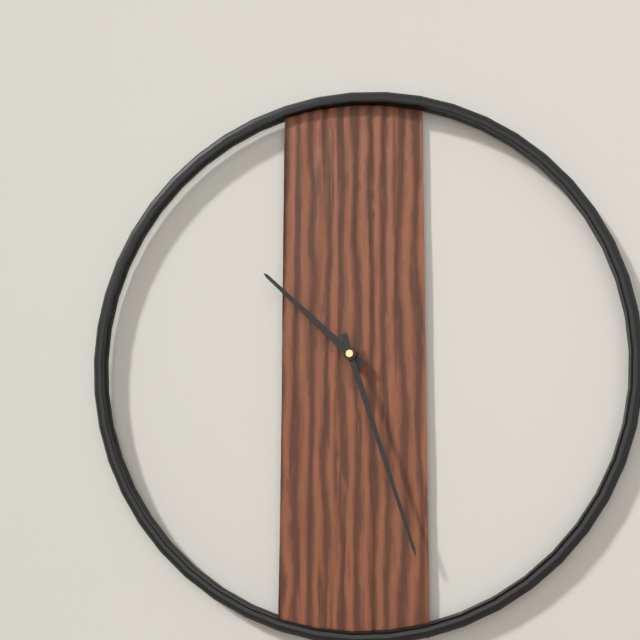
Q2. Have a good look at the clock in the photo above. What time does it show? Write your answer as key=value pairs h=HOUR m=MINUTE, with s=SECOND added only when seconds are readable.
h=10 m=27
